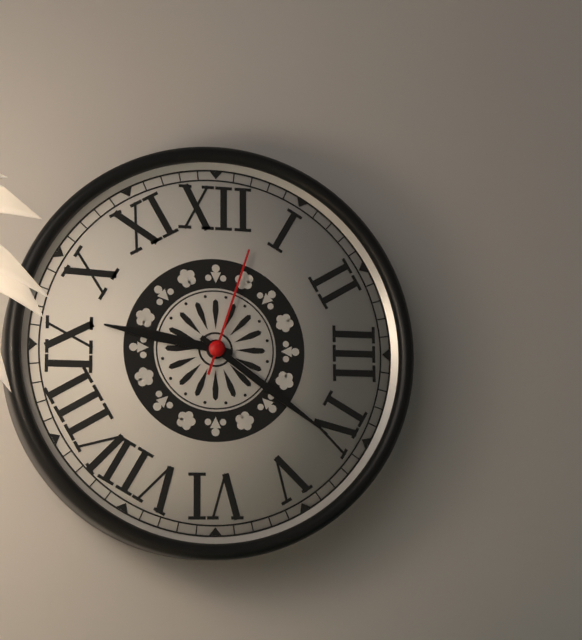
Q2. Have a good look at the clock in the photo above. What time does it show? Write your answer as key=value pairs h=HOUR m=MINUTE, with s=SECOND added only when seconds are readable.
h=9 m=21 s=3
